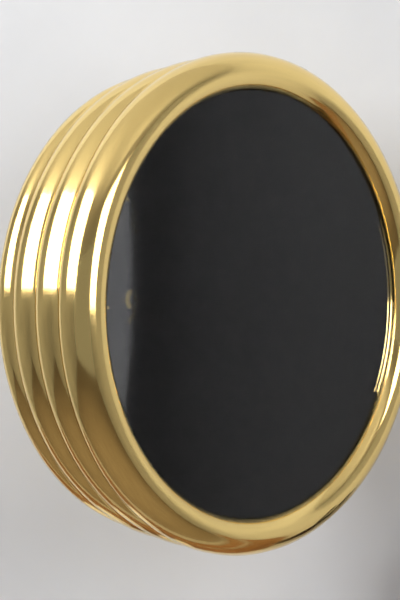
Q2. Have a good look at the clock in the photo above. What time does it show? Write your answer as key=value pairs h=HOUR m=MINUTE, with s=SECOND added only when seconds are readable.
h=9 m=27 s=56
